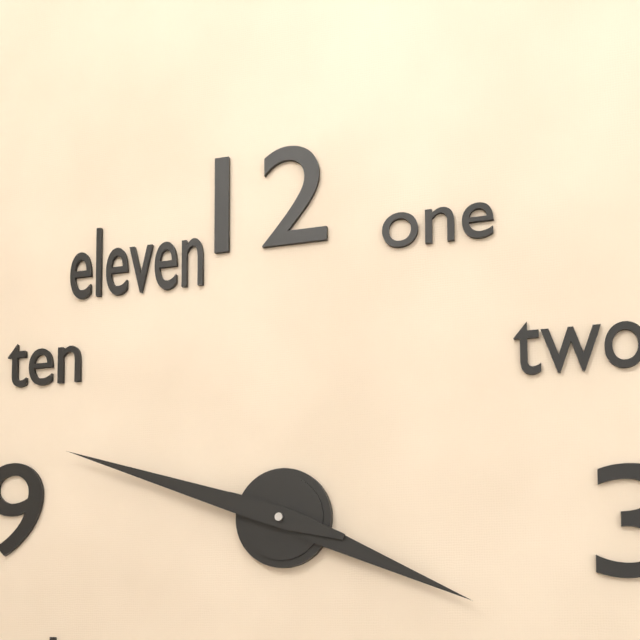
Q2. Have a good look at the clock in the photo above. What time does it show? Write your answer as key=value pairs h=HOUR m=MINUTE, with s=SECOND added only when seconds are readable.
h=3 m=48
